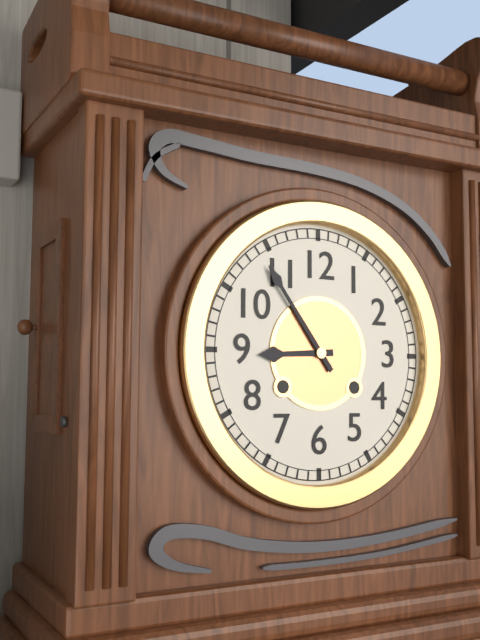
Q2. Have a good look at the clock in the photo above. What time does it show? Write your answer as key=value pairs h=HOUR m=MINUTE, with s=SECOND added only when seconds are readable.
h=8 m=54
